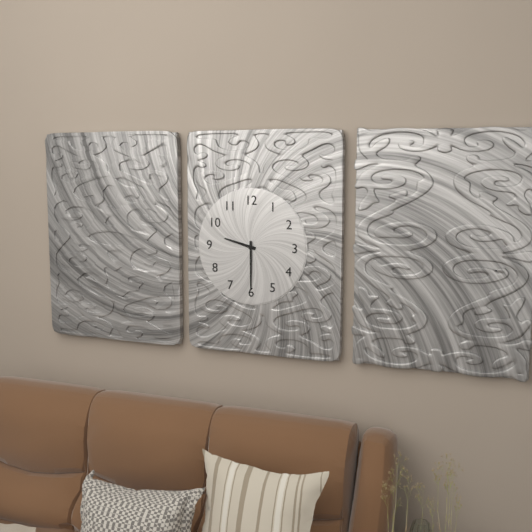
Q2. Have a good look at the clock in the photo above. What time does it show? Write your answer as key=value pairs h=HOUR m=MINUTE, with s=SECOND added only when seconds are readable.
h=9 m=30
